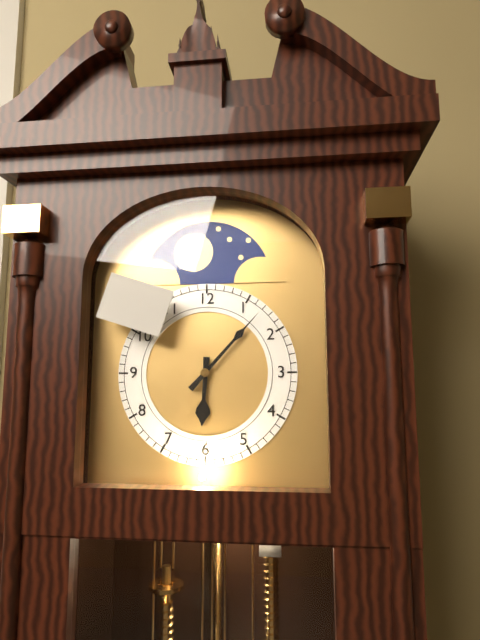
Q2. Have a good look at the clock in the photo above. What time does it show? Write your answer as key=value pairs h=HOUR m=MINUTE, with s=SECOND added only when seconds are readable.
h=6 m=7
